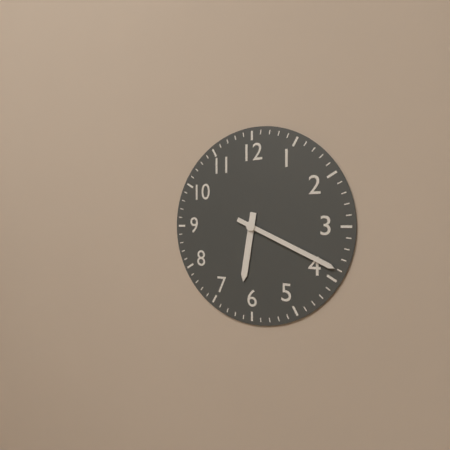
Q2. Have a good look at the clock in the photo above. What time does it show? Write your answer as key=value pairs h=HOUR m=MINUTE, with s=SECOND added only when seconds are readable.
h=6 m=19
